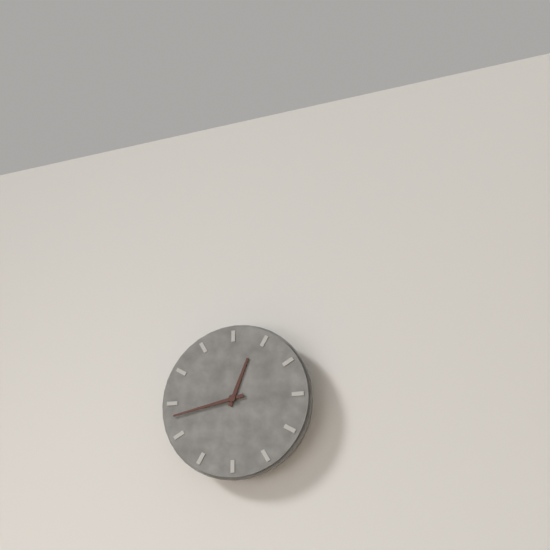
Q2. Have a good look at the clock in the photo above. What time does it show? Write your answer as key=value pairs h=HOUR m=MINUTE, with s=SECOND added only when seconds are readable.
h=12 m=43
